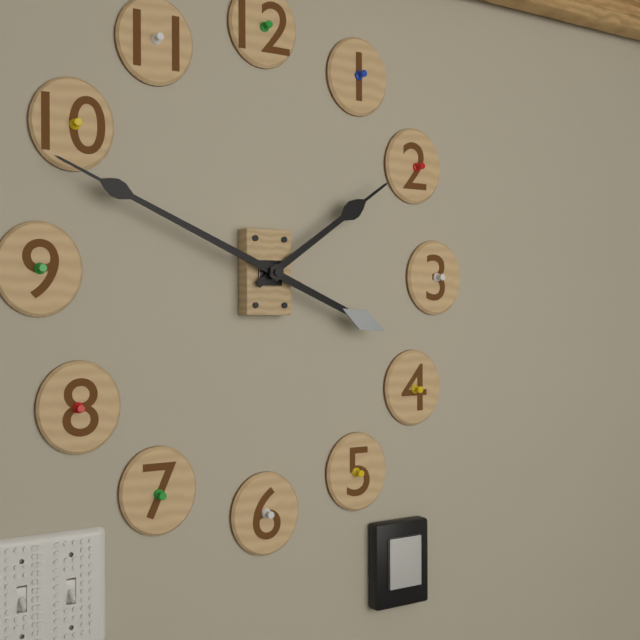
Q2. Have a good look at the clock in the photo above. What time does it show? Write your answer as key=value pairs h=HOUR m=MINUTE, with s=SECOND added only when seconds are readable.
h=1 m=49
